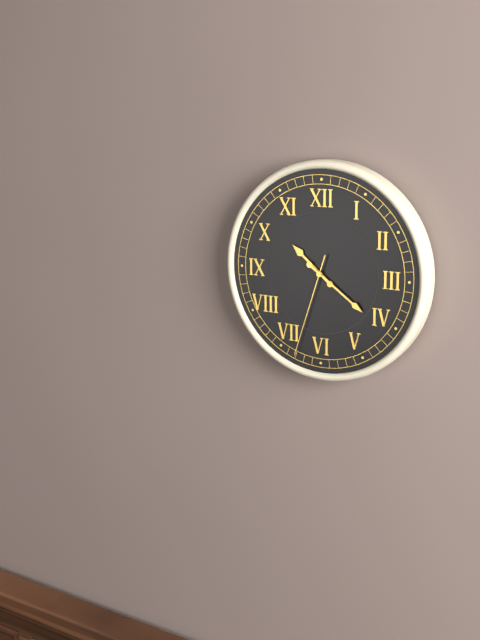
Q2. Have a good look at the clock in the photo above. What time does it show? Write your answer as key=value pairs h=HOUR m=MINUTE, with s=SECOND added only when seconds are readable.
h=10 m=21 s=33
